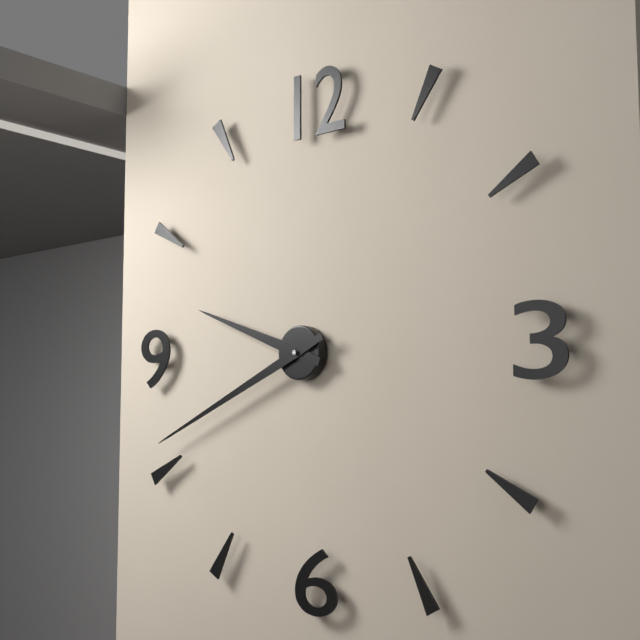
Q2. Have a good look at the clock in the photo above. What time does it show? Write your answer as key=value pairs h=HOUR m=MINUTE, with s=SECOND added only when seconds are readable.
h=9 m=41
